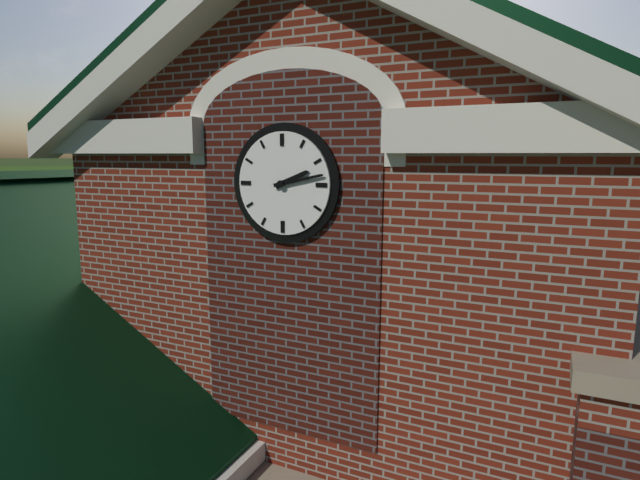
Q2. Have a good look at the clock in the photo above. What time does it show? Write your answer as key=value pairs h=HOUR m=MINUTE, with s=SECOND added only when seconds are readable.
h=2 m=13
